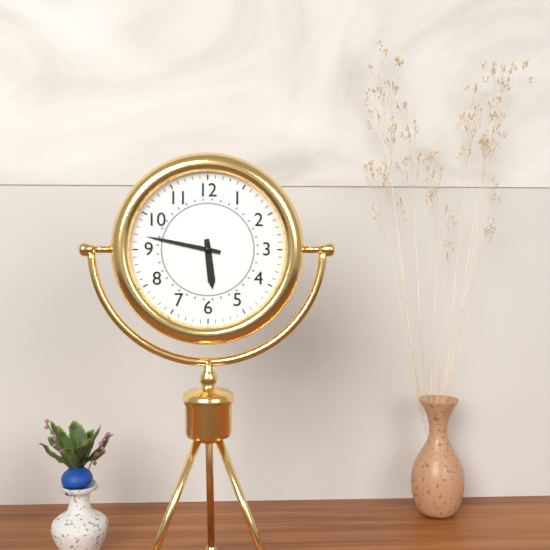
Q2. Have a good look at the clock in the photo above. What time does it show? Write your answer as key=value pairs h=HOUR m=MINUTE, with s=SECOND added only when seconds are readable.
h=5 m=47
